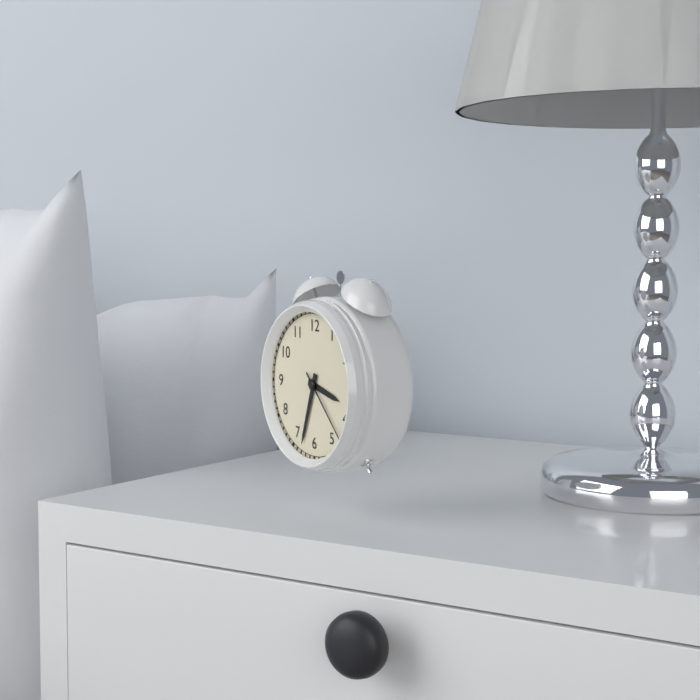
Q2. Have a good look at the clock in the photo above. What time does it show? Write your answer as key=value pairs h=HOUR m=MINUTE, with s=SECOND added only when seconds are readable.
h=3 m=33 s=23
